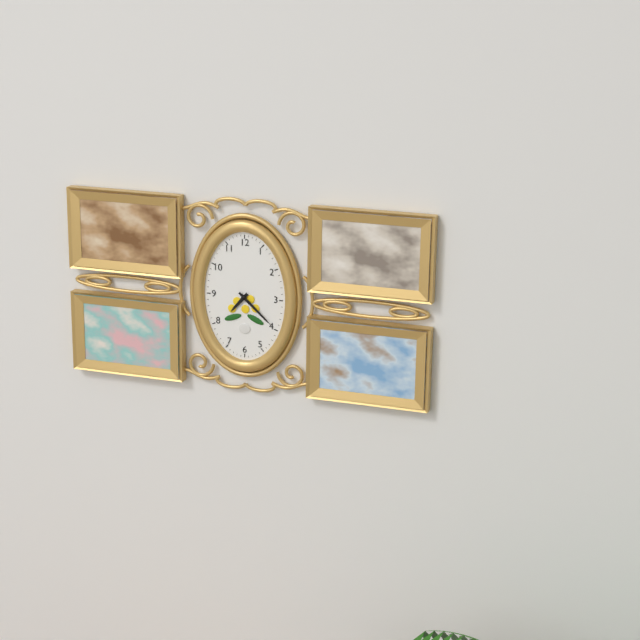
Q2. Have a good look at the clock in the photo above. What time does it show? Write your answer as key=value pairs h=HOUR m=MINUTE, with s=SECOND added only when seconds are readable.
h=7 m=22
